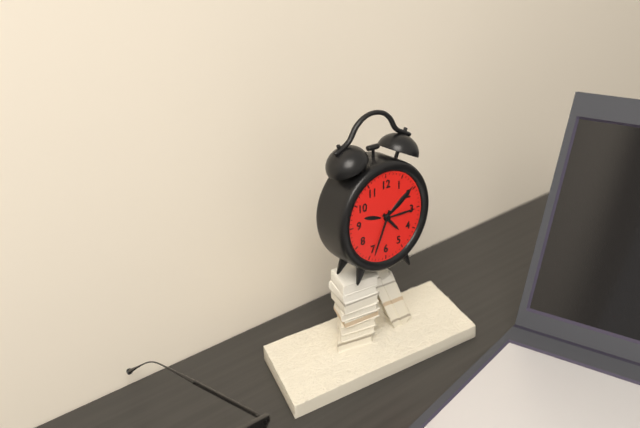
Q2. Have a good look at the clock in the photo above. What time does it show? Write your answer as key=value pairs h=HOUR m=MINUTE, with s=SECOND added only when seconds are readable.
h=4 m=34
